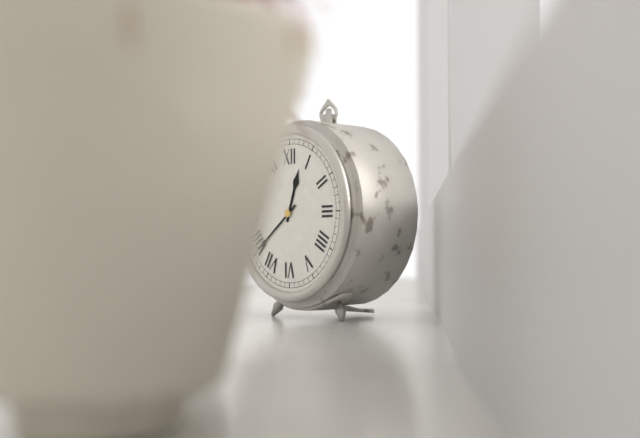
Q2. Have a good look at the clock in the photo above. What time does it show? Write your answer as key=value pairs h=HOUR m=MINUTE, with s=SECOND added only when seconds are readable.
h=12 m=39
